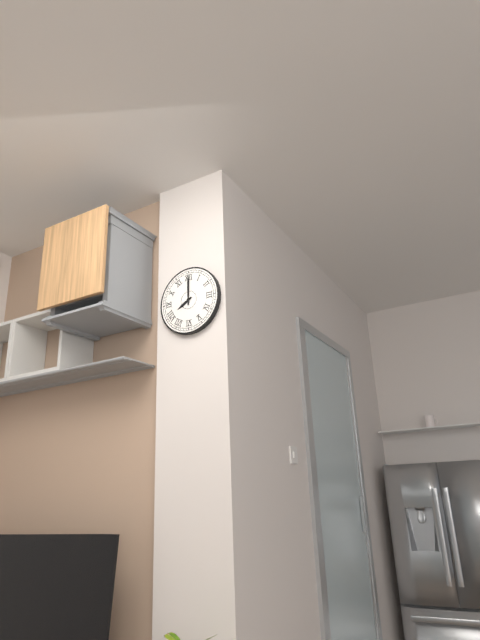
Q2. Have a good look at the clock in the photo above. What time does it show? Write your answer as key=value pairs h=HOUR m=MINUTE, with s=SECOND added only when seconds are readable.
h=8 m=0
